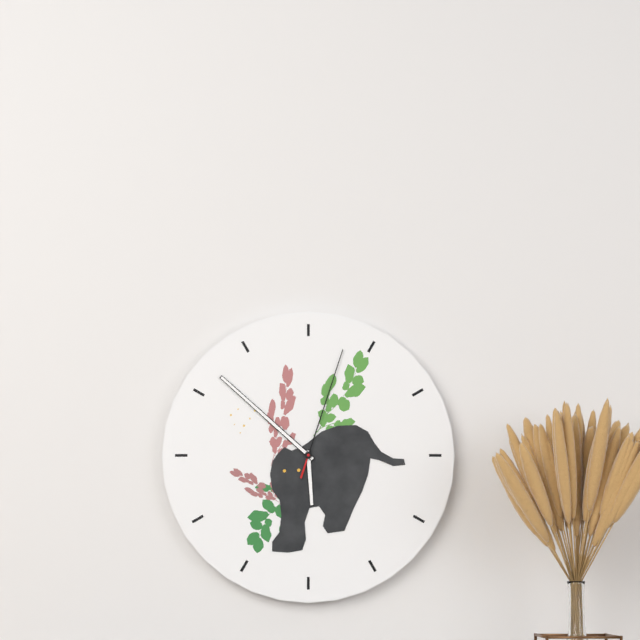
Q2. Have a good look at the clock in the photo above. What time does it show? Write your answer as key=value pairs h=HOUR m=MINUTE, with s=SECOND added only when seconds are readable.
h=5 m=52 s=3
